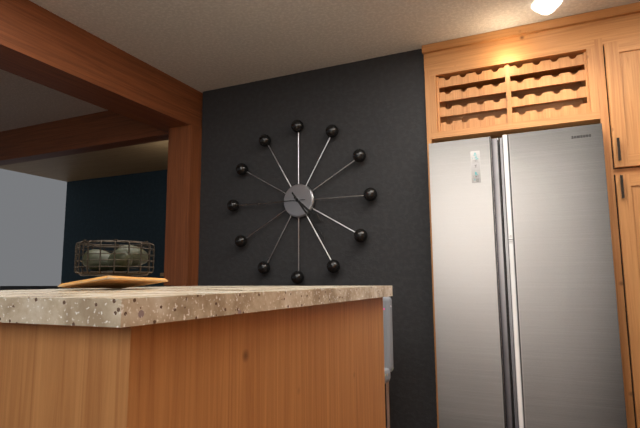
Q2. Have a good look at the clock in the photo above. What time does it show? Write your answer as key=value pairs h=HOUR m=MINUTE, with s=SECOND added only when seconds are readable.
h=4 m=24 s=45
